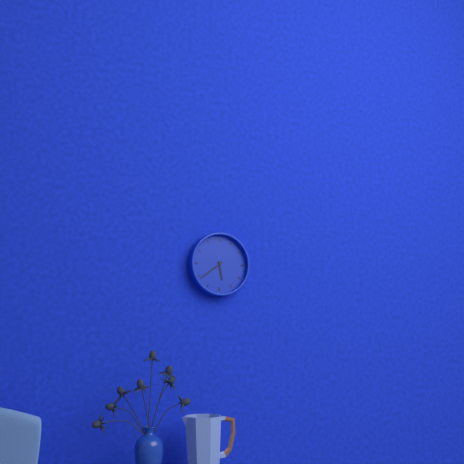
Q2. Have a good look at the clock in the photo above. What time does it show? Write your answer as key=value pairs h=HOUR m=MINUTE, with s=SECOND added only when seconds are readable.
h=5 m=39
